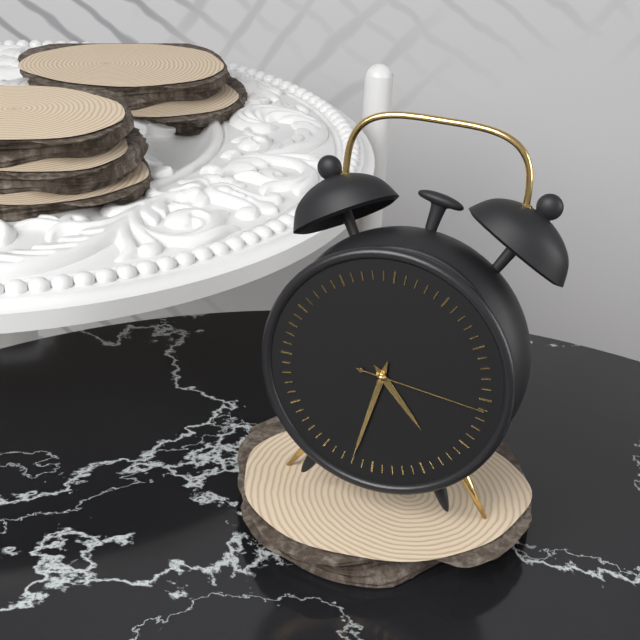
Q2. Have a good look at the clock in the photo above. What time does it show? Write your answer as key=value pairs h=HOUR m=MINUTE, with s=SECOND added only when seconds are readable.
h=4 m=32 s=16
